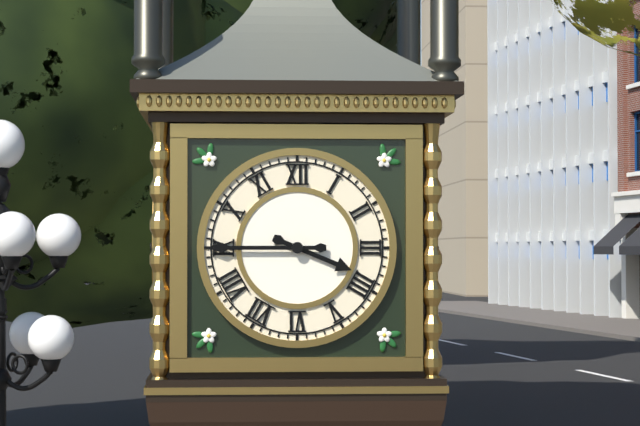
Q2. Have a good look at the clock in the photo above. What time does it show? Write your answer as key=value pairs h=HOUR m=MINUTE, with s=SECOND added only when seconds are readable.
h=3 m=45
